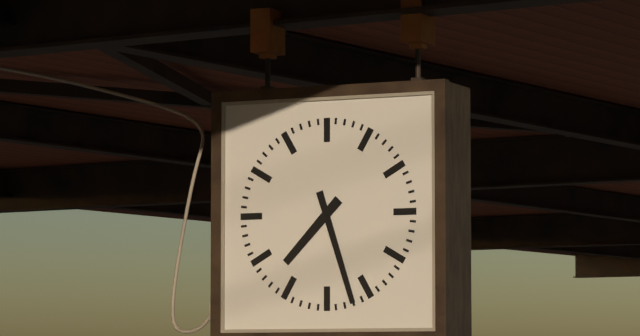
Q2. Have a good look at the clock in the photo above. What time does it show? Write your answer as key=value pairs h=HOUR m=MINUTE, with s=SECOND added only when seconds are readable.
h=7 m=27
